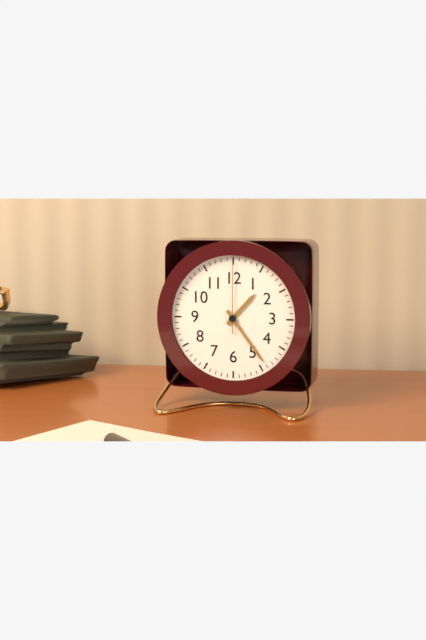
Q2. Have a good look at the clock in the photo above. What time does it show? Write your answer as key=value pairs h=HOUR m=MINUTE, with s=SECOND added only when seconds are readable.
h=1 m=24 s=0
